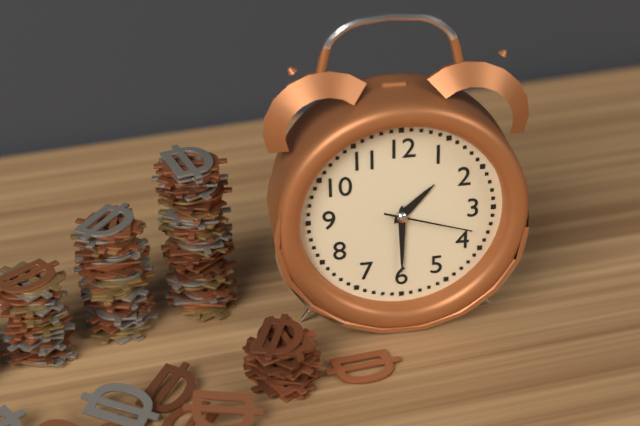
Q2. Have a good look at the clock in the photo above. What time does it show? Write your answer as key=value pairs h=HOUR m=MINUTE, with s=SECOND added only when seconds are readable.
h=1 m=30 s=18
